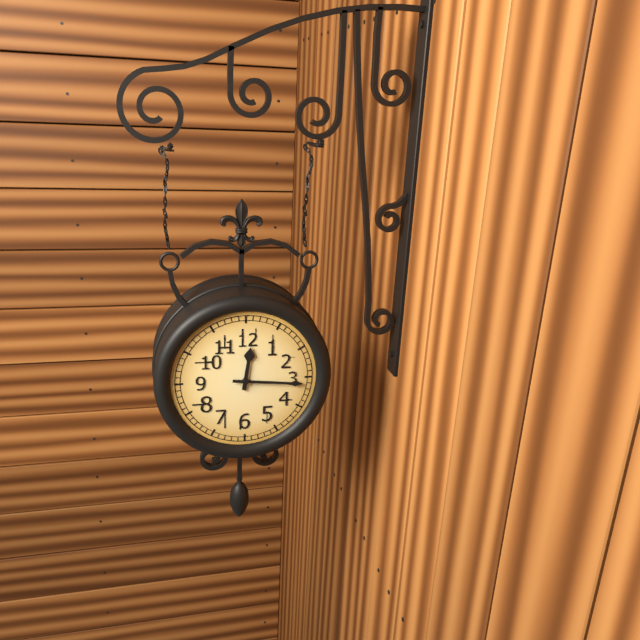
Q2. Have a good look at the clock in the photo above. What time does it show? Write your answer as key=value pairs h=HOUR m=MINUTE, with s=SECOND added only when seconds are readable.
h=12 m=16
